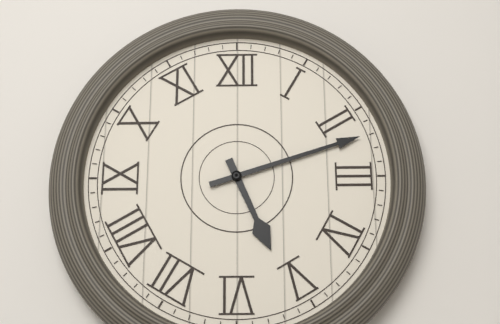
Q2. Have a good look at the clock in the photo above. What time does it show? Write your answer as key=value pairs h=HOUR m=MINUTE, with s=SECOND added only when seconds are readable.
h=5 m=12
